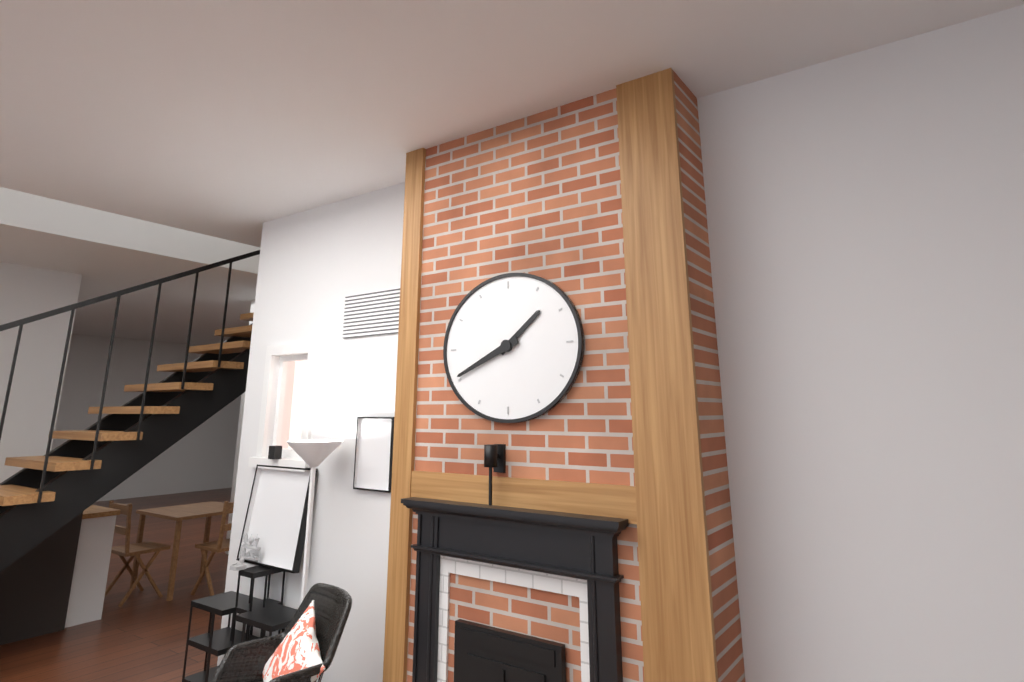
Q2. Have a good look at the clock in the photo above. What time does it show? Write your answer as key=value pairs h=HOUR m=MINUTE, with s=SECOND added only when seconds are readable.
h=1 m=41
